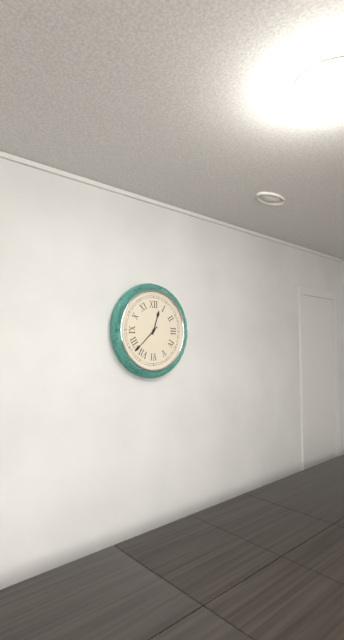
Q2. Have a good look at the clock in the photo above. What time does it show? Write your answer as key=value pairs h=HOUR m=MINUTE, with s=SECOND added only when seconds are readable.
h=12 m=38
